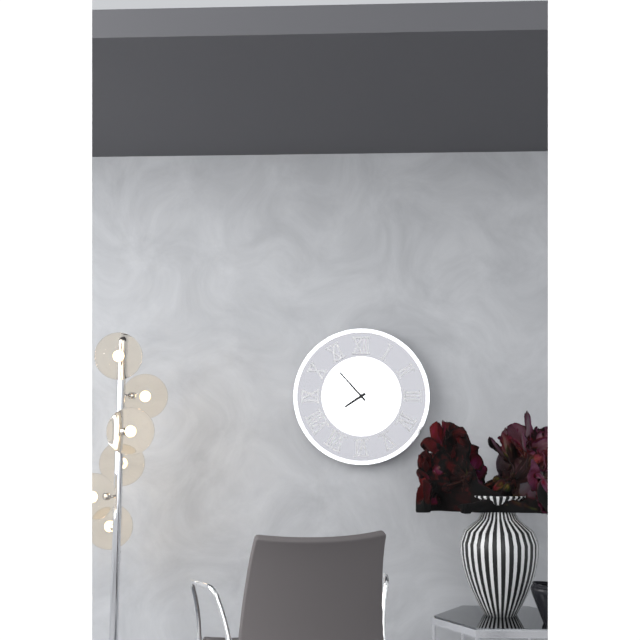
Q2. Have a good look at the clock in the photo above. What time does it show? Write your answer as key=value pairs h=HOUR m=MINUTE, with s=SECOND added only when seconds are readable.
h=7 m=53
